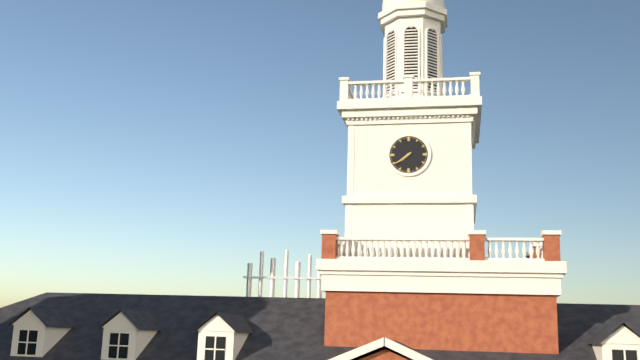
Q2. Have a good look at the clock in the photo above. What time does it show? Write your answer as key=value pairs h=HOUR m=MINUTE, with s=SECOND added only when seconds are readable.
h=7 m=39
